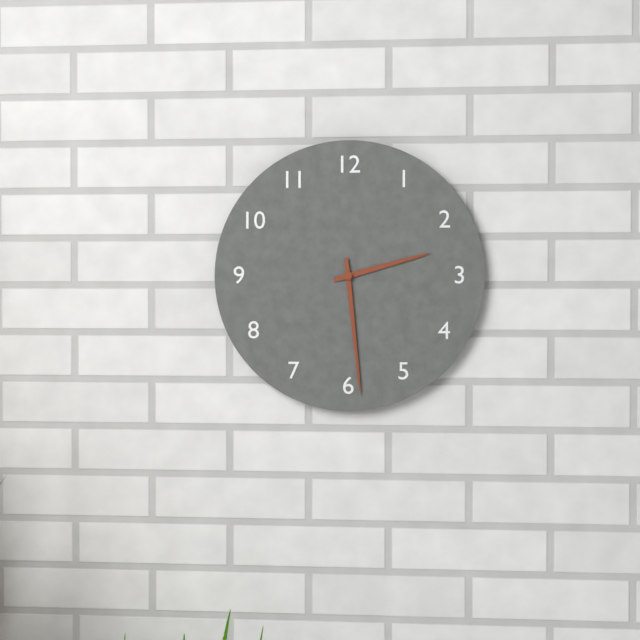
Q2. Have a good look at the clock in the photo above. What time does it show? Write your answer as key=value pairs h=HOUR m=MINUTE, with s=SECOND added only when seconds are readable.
h=2 m=29
